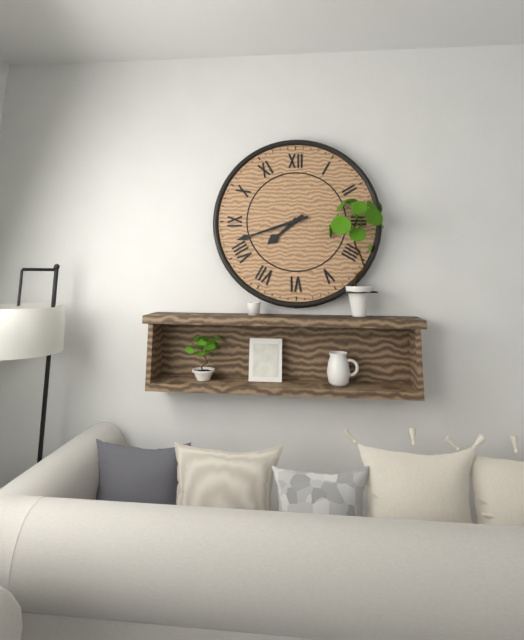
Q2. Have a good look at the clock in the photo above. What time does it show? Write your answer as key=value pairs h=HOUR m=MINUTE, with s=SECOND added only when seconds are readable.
h=7 m=42
